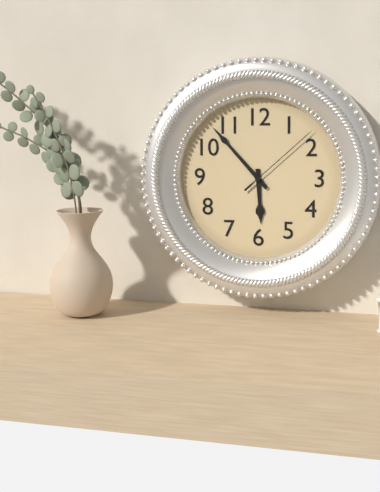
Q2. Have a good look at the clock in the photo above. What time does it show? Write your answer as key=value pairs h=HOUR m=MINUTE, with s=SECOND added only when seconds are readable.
h=5 m=53 s=8
